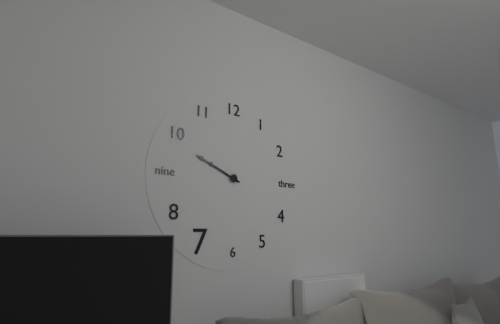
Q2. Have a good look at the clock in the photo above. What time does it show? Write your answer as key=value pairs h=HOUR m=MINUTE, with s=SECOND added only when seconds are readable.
h=9 m=49
